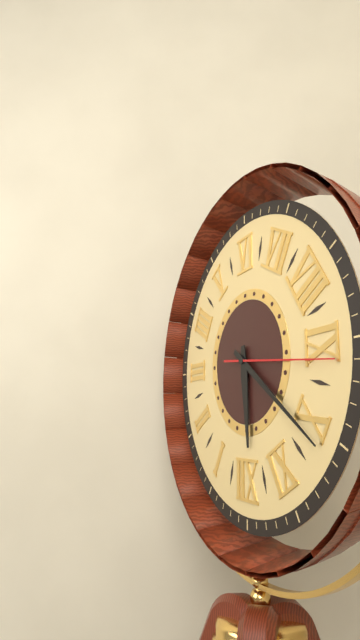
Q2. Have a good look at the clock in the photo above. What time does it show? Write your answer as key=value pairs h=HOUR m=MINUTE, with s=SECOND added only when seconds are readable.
h=11 m=51 s=46
